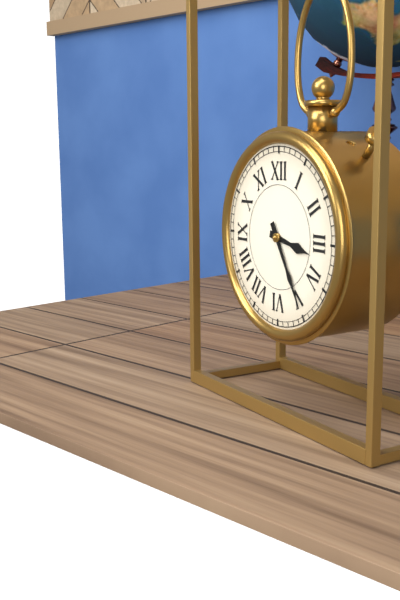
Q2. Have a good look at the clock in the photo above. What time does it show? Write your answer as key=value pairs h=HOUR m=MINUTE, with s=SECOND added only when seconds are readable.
h=3 m=25
